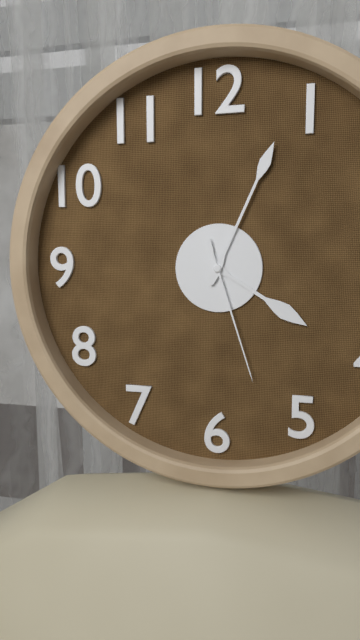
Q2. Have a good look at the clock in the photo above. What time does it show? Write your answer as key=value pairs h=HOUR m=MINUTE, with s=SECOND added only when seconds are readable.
h=4 m=4 s=27
